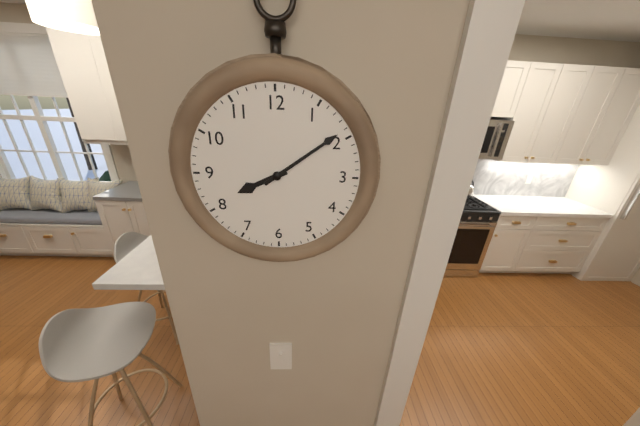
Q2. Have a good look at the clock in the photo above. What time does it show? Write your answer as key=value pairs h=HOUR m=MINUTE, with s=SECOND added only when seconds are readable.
h=8 m=9
